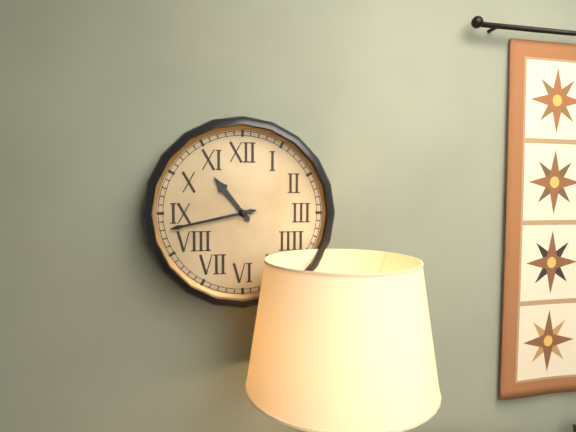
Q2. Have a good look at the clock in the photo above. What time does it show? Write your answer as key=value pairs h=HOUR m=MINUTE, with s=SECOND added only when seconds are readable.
h=10 m=43
